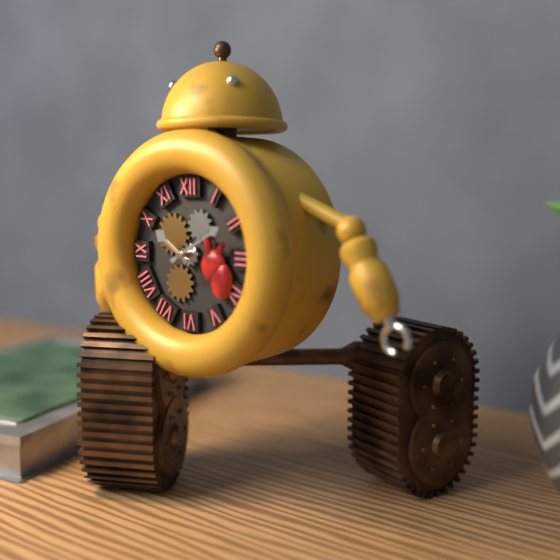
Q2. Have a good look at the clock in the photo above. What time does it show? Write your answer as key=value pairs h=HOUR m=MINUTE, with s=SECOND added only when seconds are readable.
h=10 m=10
